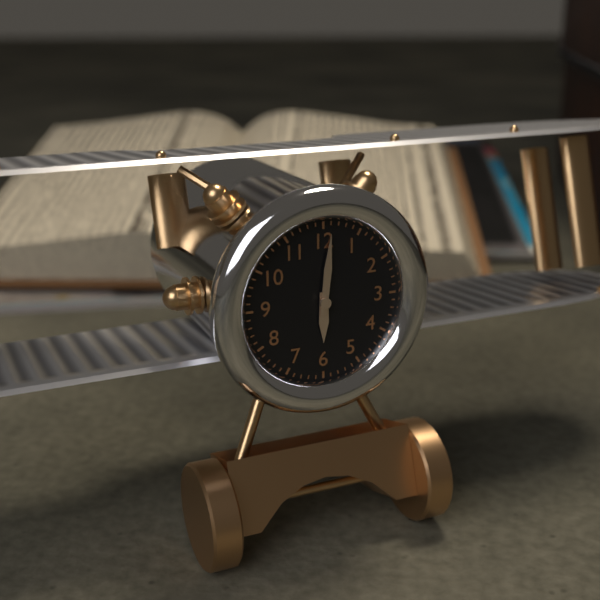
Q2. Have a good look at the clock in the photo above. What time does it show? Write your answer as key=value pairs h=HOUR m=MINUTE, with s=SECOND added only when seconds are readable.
h=6 m=1
